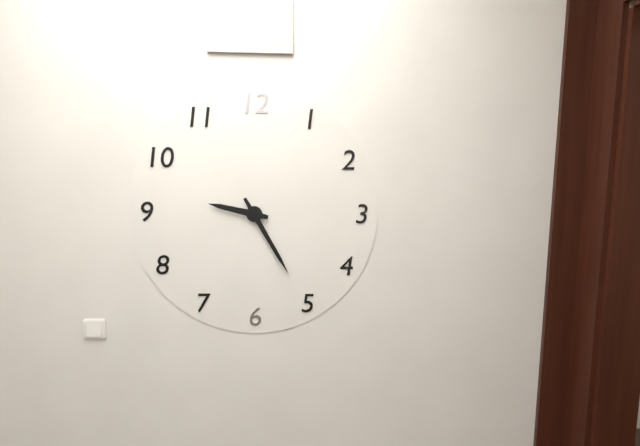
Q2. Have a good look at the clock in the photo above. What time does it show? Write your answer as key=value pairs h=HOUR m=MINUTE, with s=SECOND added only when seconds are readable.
h=9 m=25
